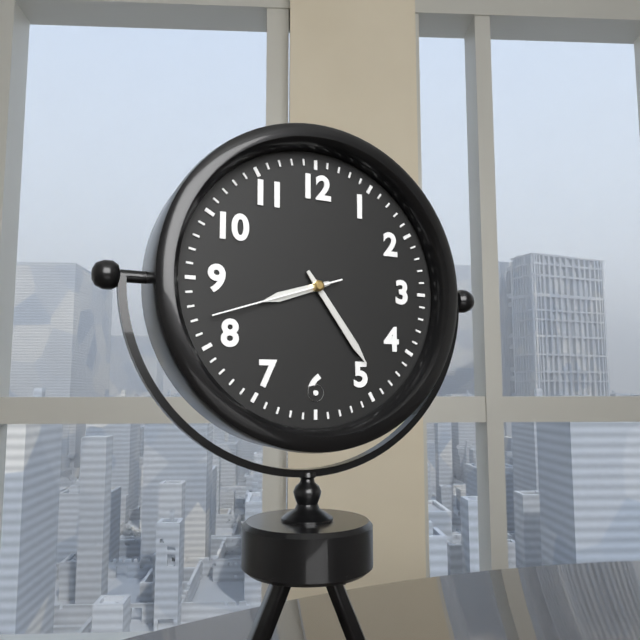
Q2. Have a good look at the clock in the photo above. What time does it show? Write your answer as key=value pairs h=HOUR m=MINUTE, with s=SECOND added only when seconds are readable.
h=8 m=24 s=42
